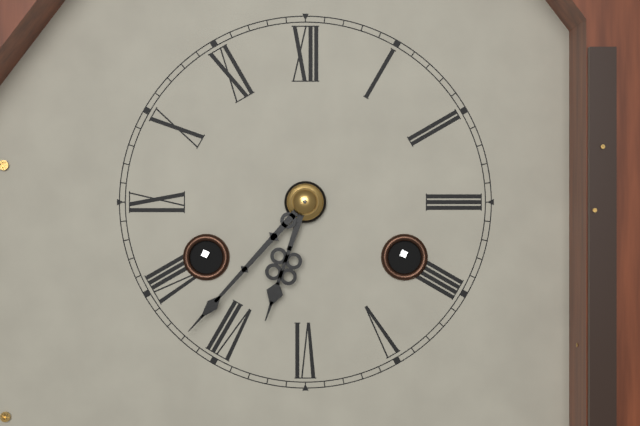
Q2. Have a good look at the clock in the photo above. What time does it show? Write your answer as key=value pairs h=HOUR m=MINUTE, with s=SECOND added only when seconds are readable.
h=6 m=37
